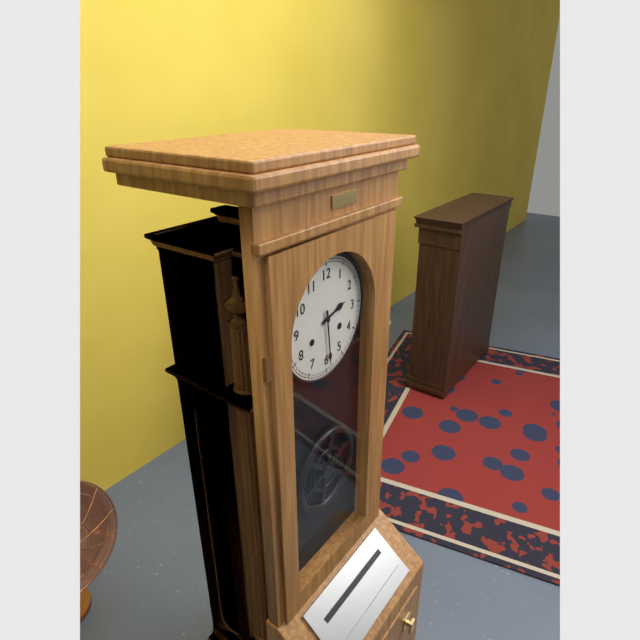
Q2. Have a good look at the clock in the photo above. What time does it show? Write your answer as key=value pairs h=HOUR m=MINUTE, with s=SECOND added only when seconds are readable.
h=2 m=29
